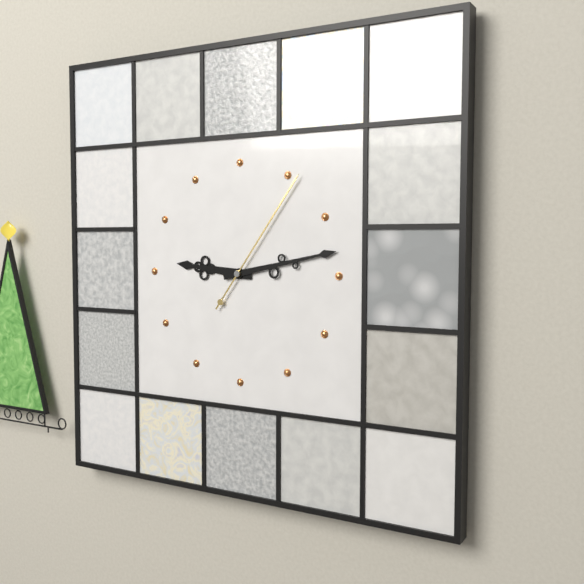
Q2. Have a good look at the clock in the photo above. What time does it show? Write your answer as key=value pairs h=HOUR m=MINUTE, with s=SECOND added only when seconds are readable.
h=9 m=13 s=6
